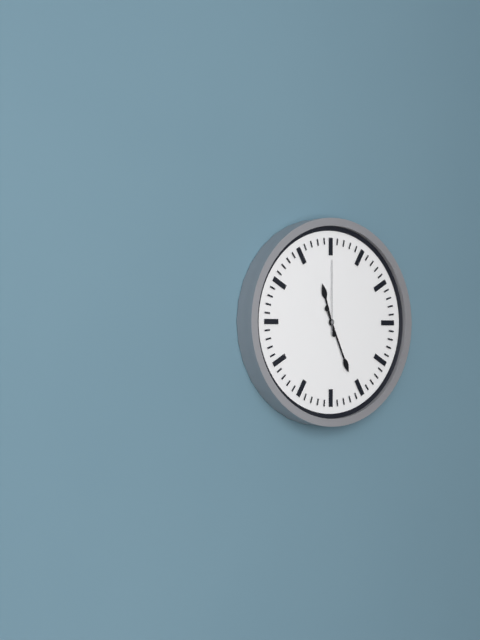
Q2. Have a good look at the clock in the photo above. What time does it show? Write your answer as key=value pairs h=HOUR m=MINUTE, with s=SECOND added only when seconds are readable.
h=11 m=26 s=0
